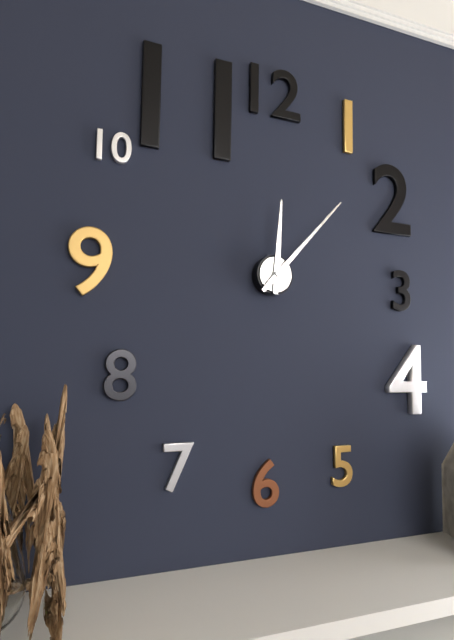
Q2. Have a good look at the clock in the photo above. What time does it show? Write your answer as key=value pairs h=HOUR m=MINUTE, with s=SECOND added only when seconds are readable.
h=12 m=7
